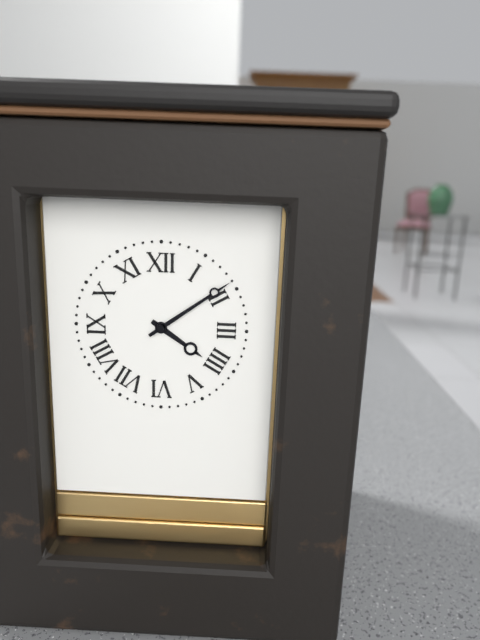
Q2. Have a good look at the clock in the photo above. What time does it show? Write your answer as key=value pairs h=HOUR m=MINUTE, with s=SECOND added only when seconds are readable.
h=4 m=9
